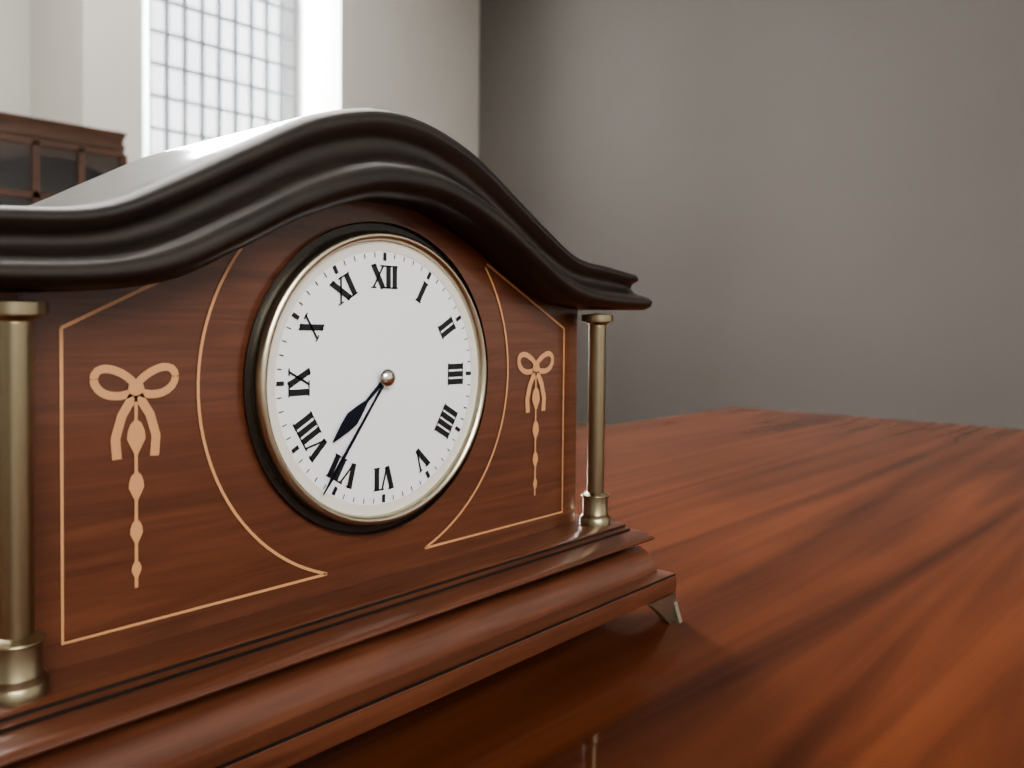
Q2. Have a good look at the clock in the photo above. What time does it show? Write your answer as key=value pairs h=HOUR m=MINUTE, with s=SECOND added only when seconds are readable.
h=7 m=36
